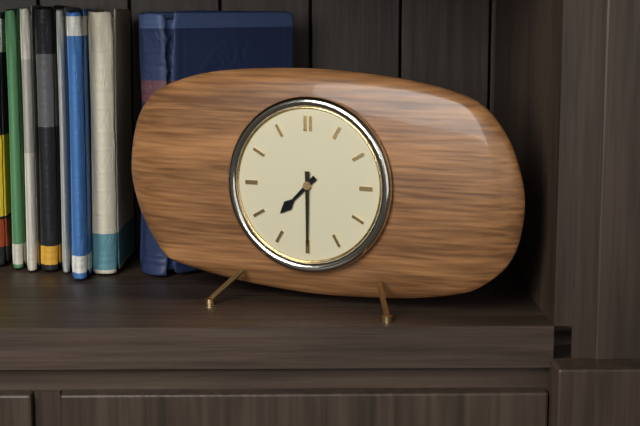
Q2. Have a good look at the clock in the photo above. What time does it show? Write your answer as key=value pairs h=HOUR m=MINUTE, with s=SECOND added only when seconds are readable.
h=7 m=30
